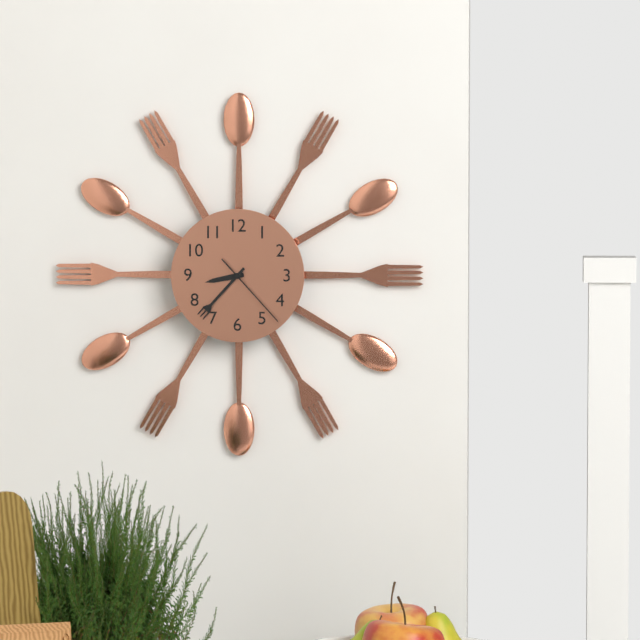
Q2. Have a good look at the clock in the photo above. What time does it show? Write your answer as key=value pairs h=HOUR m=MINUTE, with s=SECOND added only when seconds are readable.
h=8 m=37 s=23
